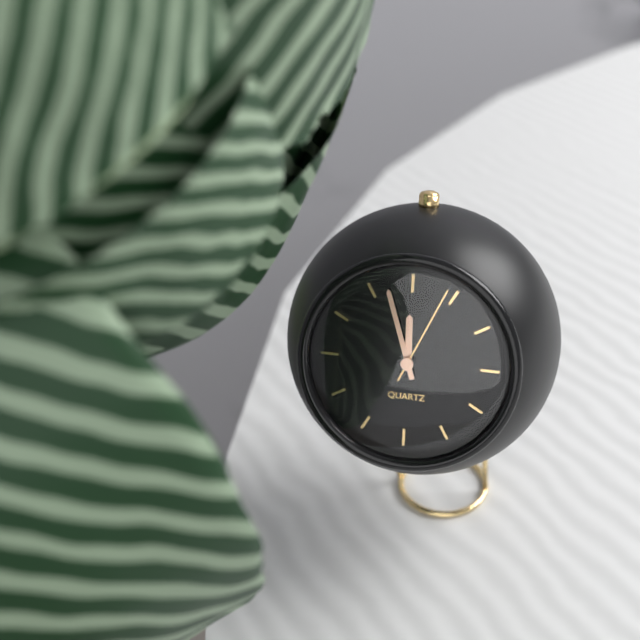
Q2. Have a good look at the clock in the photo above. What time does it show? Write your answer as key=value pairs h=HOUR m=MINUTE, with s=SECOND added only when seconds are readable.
h=11 m=57 s=4
